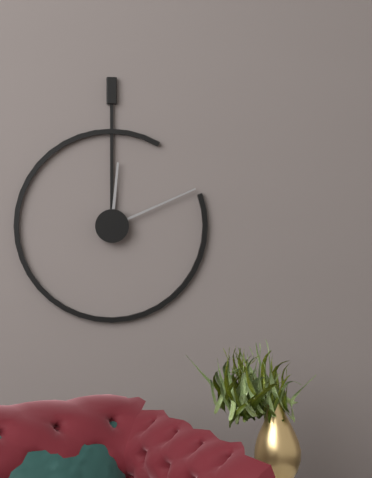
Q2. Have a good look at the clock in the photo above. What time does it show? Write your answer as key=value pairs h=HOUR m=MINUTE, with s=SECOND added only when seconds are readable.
h=12 m=11
